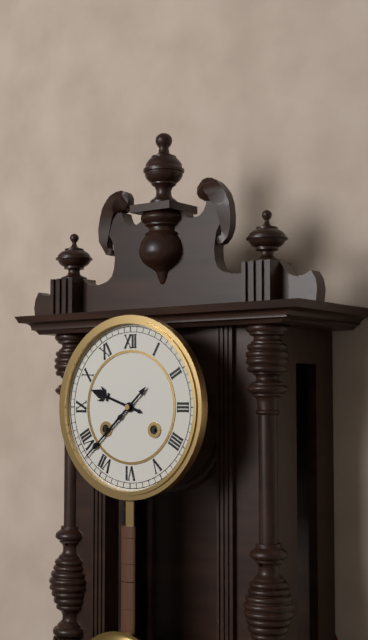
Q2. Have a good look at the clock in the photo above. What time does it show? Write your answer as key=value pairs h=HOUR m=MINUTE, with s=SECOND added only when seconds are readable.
h=9 m=38
